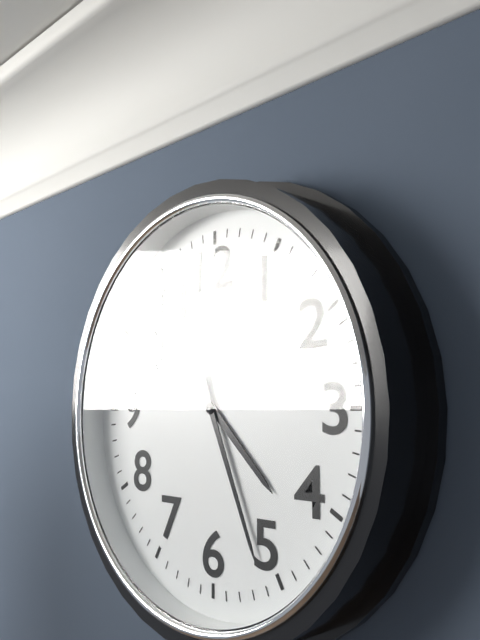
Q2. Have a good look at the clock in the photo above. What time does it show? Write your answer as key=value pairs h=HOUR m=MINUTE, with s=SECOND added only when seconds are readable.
h=4 m=26
